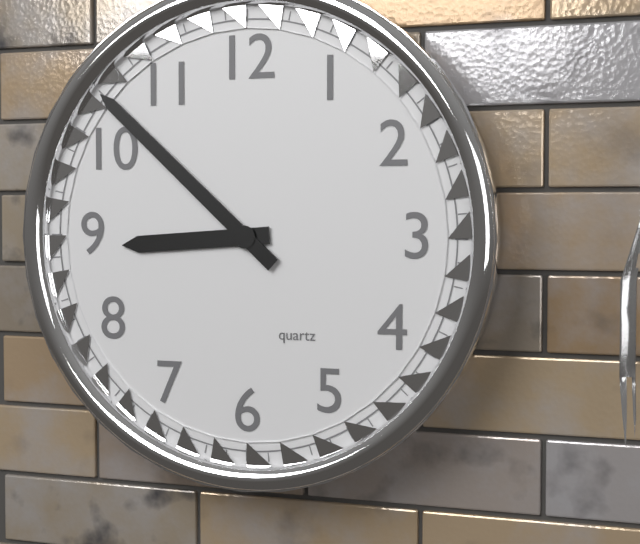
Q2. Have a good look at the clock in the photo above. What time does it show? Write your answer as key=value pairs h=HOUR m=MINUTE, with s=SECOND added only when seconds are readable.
h=8 m=52
